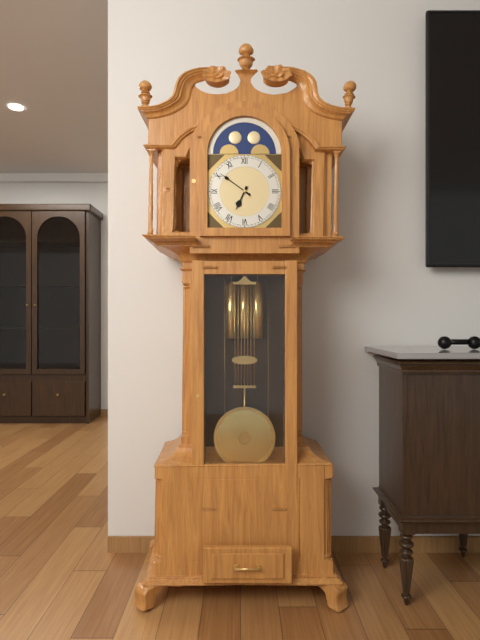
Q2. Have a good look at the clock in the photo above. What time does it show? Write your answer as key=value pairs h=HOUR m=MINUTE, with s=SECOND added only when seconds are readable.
h=6 m=51
